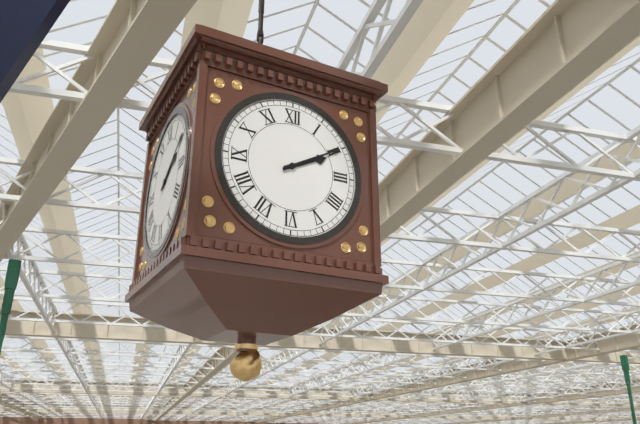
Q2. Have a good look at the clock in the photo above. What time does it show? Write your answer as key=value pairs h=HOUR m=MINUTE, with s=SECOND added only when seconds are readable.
h=2 m=10
